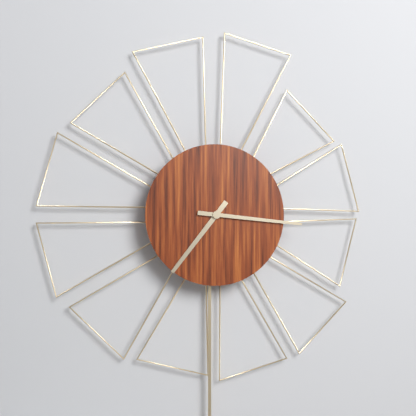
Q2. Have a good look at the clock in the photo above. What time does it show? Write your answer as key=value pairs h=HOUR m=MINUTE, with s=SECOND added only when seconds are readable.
h=7 m=16
